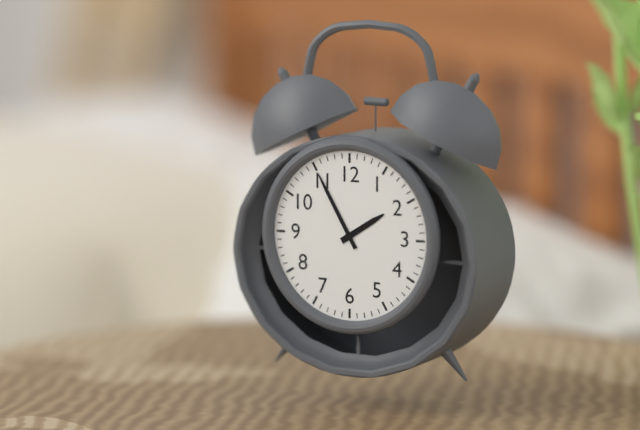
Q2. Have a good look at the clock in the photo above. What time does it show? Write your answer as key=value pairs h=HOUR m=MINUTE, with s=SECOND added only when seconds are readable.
h=1 m=55
